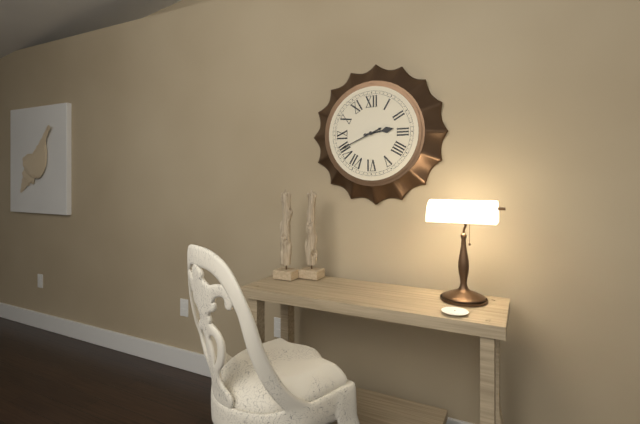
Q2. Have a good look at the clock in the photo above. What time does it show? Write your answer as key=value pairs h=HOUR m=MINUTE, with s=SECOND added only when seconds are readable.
h=2 m=41
